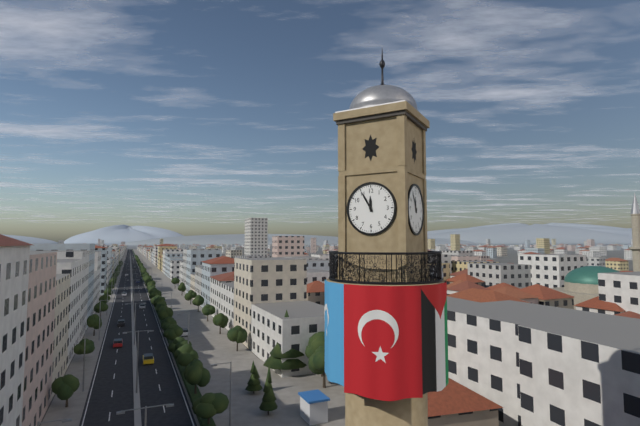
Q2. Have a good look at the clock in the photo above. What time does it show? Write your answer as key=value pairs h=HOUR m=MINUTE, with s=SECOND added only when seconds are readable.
h=11 m=55
